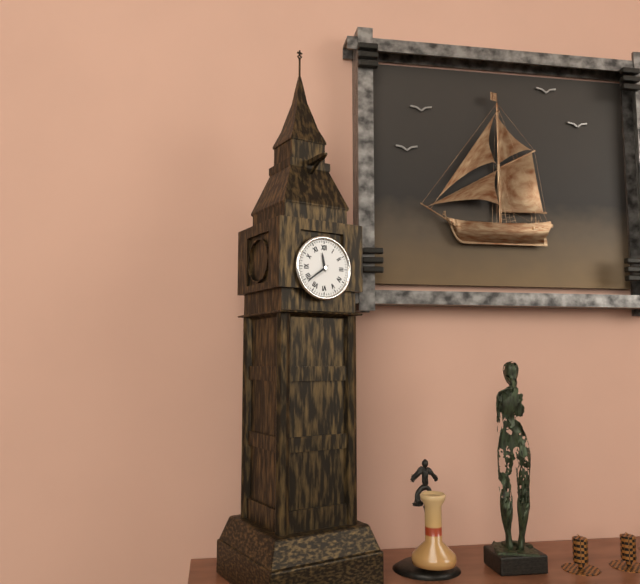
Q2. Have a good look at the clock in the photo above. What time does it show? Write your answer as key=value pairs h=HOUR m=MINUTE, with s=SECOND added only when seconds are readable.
h=11 m=39
